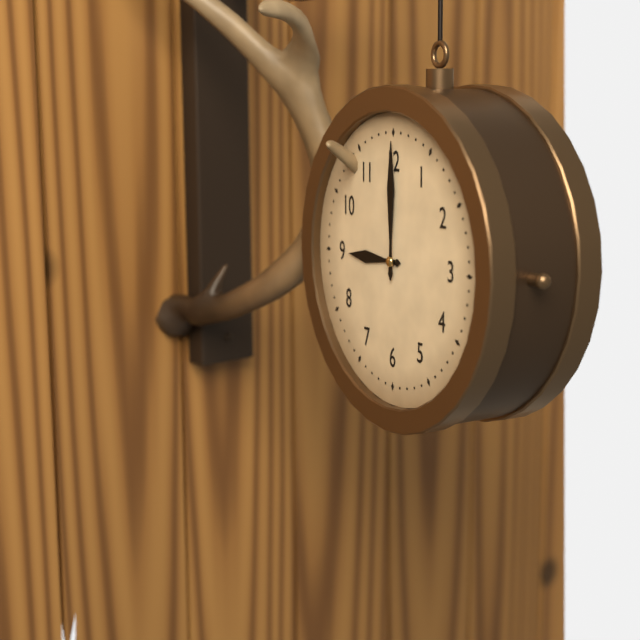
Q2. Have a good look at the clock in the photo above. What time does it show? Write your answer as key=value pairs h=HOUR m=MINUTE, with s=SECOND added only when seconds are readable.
h=9 m=0
